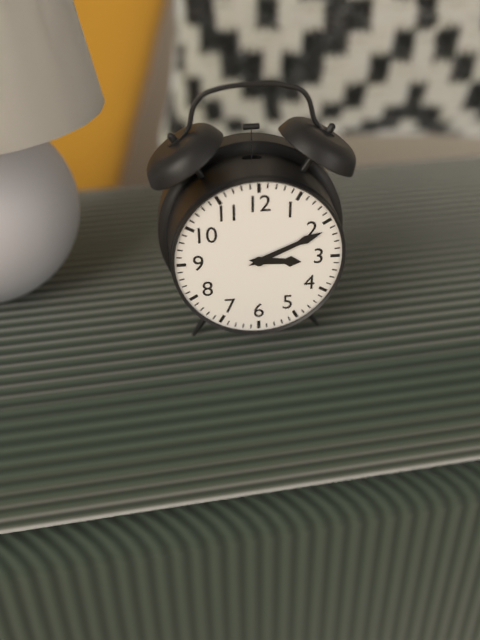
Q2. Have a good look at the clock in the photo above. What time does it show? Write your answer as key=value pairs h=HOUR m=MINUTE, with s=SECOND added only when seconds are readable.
h=3 m=11
